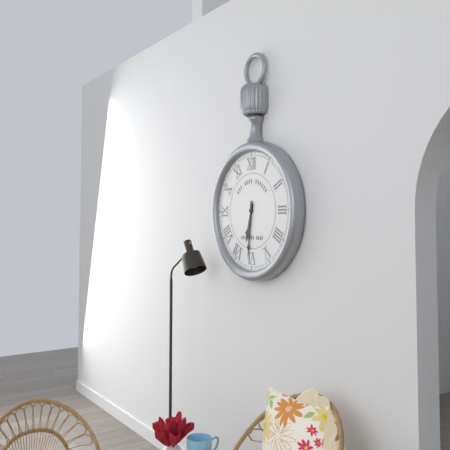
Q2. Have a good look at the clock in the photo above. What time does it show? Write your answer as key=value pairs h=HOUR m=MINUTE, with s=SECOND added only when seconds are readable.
h=6 m=31
